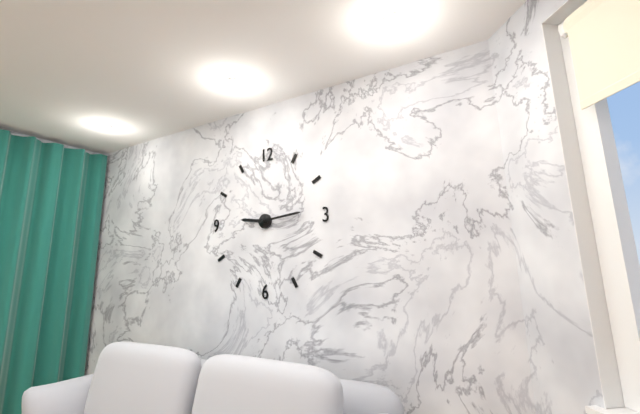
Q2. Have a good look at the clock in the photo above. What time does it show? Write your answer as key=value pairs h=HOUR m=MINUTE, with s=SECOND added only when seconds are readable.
h=9 m=14
